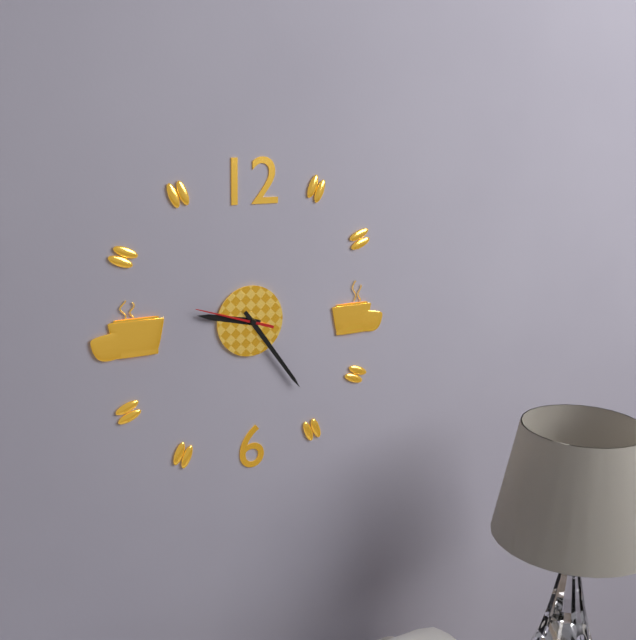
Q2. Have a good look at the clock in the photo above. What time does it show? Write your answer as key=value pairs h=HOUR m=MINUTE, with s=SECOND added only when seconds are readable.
h=9 m=24 s=48
